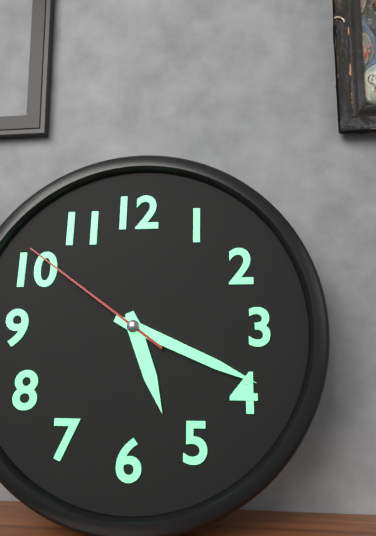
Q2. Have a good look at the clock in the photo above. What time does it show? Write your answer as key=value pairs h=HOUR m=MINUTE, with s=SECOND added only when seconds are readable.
h=5 m=19 s=51
